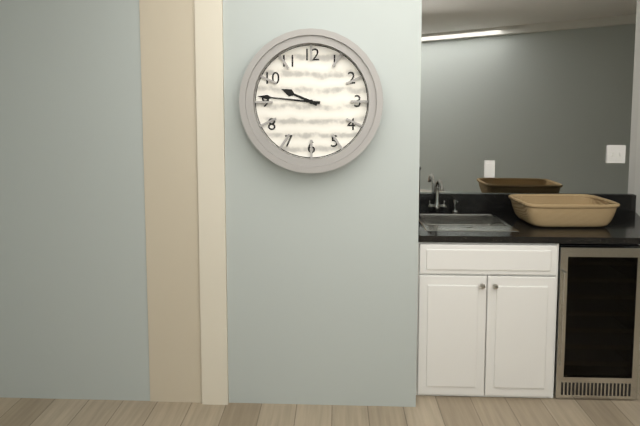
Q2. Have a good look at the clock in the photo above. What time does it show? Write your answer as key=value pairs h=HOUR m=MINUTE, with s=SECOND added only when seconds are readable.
h=9 m=46
